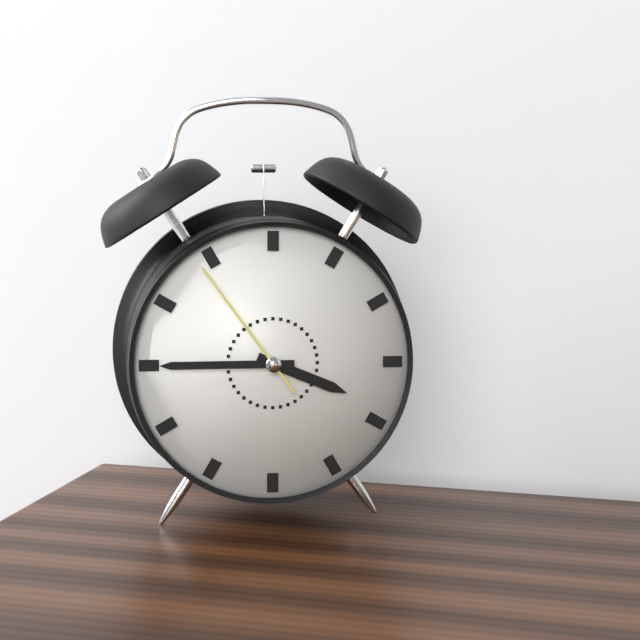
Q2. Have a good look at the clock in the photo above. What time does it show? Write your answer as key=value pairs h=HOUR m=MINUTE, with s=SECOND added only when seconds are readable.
h=3 m=45 s=54
